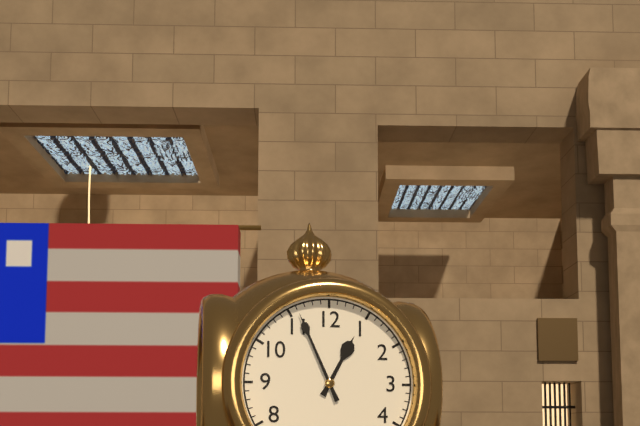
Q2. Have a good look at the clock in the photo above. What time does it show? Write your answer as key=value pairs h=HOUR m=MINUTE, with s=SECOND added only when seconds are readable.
h=12 m=56
